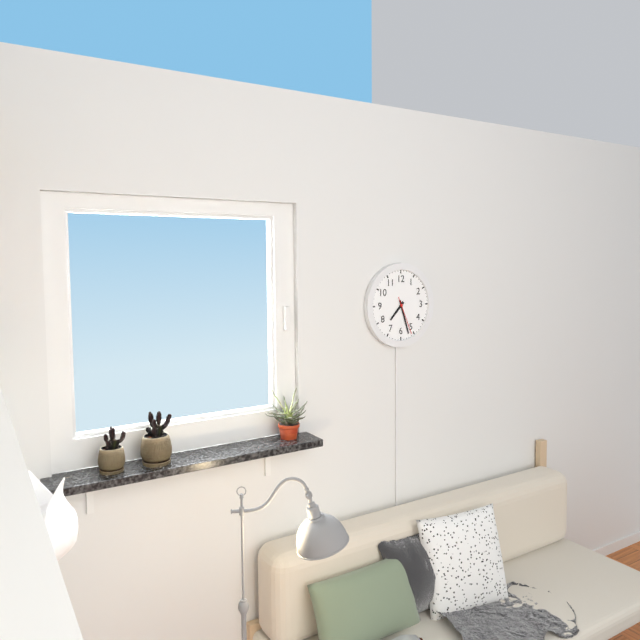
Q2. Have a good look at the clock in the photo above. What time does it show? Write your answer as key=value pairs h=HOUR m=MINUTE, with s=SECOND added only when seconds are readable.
h=7 m=27
